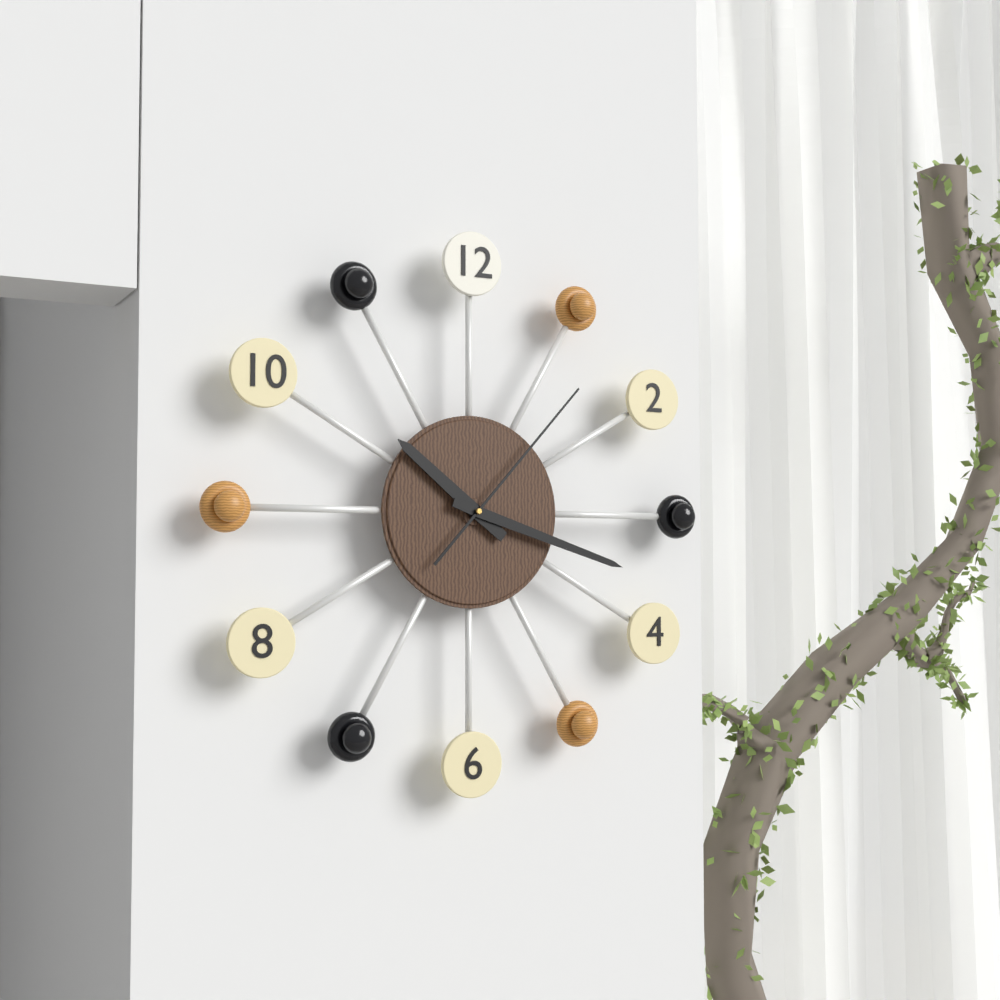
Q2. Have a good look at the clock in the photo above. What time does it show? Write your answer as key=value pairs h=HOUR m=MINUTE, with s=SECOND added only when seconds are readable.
h=10 m=18 s=7
